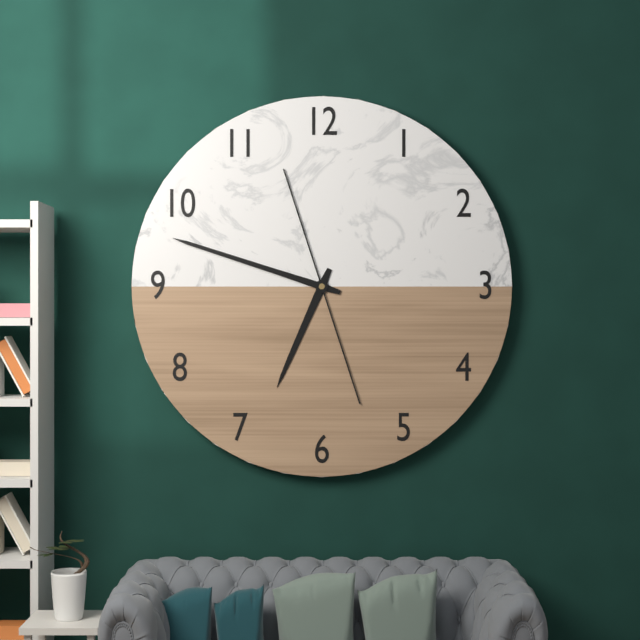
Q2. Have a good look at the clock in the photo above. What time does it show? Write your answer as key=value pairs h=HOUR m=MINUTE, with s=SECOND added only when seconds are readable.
h=6 m=48
